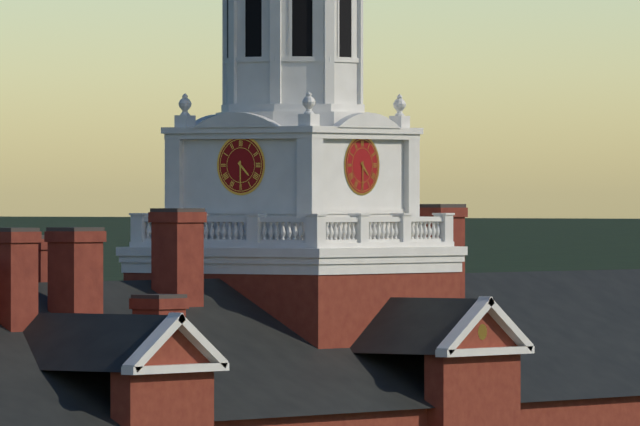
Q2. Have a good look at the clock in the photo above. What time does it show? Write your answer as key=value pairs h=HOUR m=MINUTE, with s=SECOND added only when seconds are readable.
h=4 m=30
